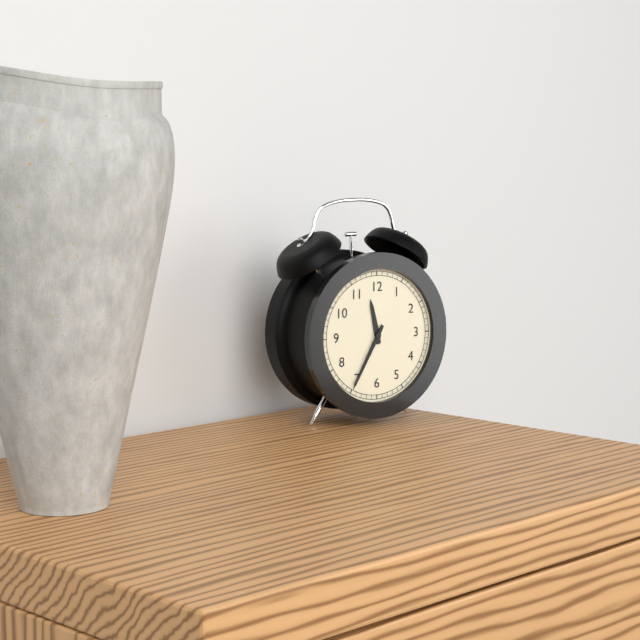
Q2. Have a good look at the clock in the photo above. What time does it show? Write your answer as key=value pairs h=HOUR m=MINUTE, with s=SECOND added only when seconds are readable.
h=11 m=35
